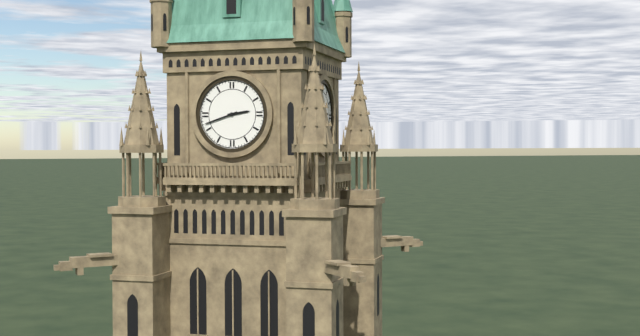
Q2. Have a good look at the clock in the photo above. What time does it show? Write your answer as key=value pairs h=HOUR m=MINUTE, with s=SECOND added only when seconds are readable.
h=2 m=42
